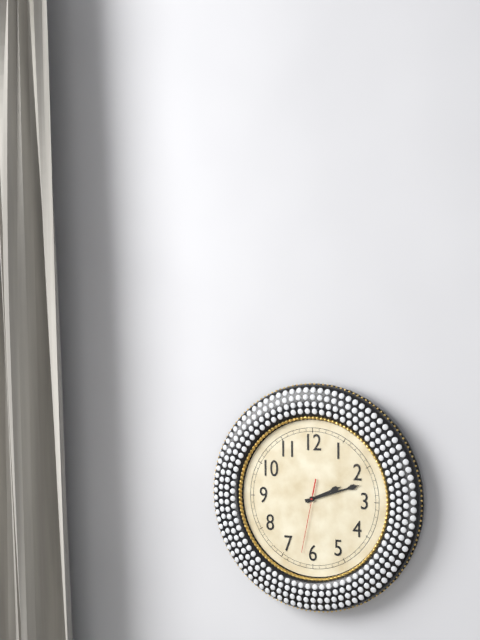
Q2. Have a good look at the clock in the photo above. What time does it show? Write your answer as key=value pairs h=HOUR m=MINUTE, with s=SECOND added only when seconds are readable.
h=2 m=12 s=32
